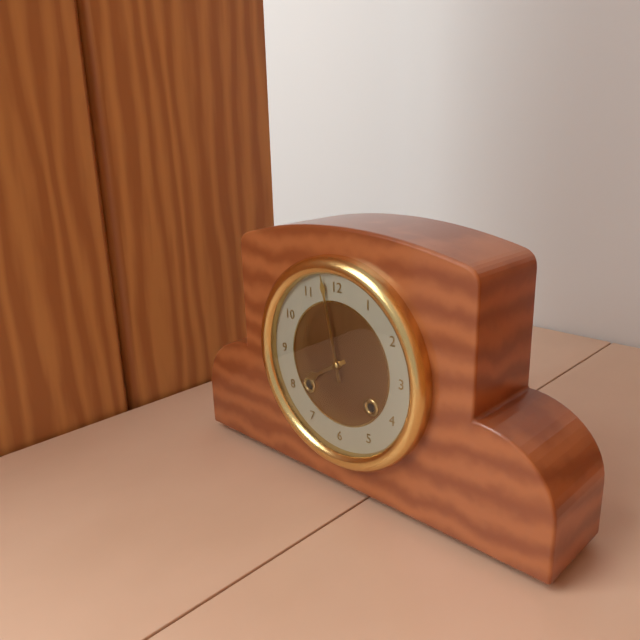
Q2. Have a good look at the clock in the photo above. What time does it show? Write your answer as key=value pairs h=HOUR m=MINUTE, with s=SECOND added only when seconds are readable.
h=7 m=58
